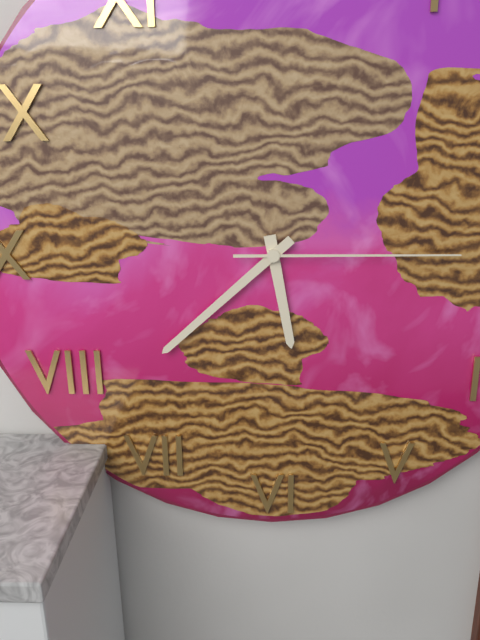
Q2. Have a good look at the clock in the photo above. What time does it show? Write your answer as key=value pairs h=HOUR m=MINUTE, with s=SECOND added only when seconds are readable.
h=5 m=38 s=15
